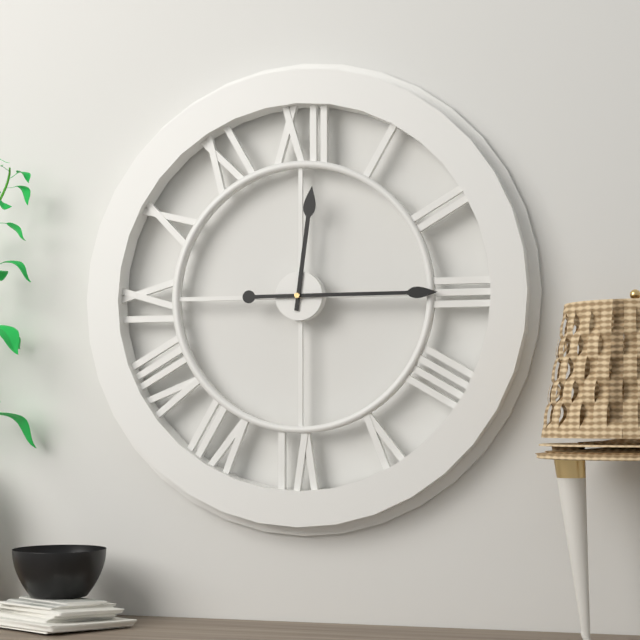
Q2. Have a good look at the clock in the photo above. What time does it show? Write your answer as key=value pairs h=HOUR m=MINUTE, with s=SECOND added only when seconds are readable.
h=12 m=15
